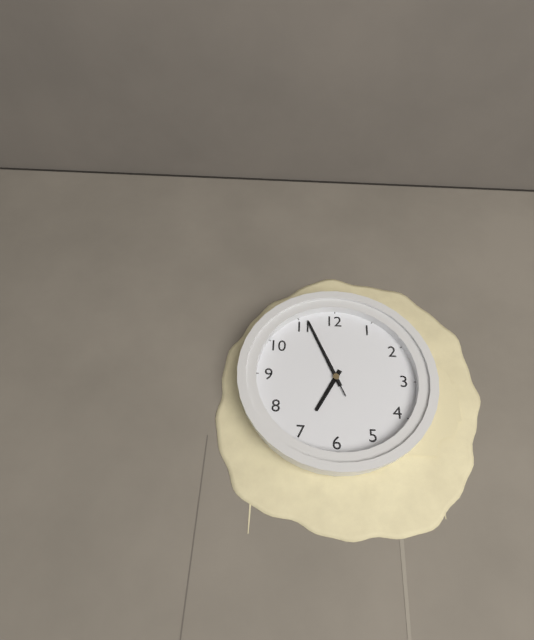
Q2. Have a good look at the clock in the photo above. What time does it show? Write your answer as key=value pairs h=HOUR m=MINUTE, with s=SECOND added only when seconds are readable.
h=6 m=56 s=56
